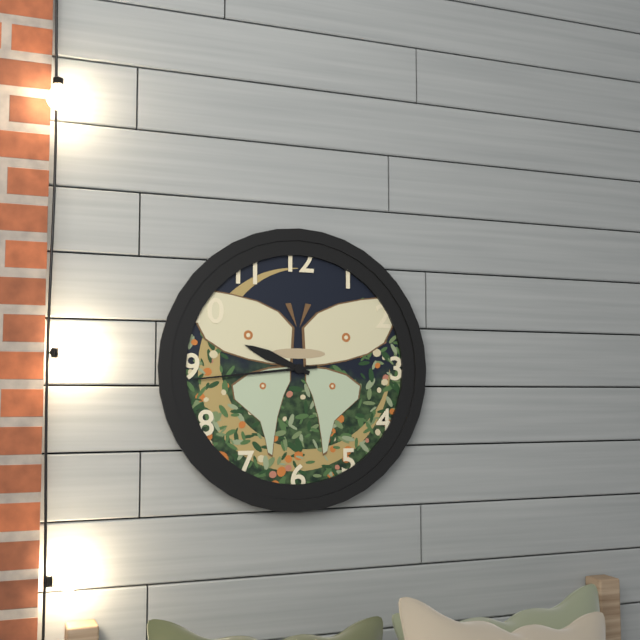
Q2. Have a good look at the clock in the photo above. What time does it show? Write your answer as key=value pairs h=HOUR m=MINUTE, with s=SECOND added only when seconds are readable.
h=9 m=44
